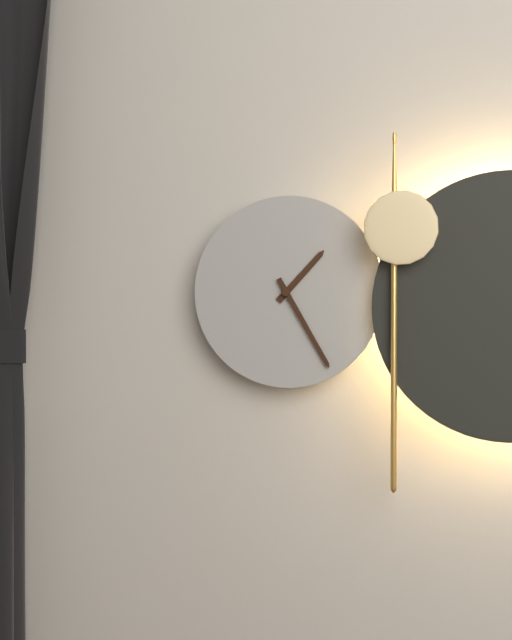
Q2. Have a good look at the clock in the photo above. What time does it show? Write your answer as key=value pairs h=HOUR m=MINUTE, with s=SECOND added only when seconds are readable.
h=1 m=25
